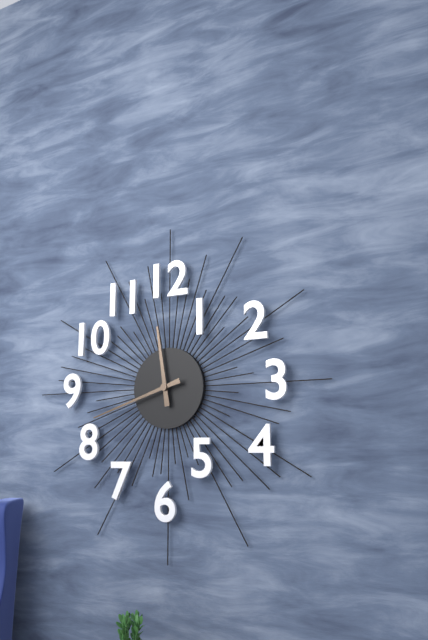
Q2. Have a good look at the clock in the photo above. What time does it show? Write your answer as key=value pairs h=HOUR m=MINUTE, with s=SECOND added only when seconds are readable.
h=11 m=42
